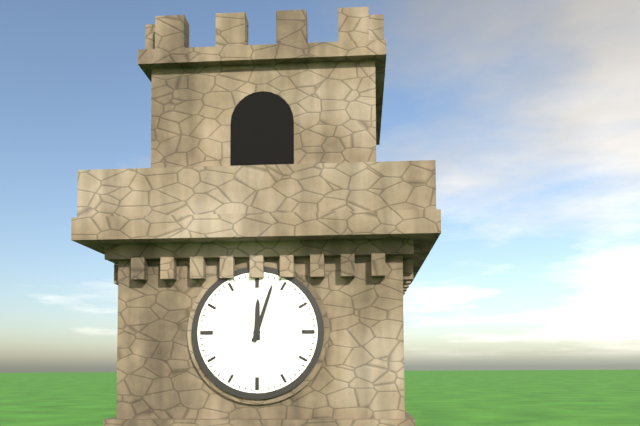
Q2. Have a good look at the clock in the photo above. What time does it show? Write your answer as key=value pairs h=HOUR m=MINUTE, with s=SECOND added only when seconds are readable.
h=12 m=3
